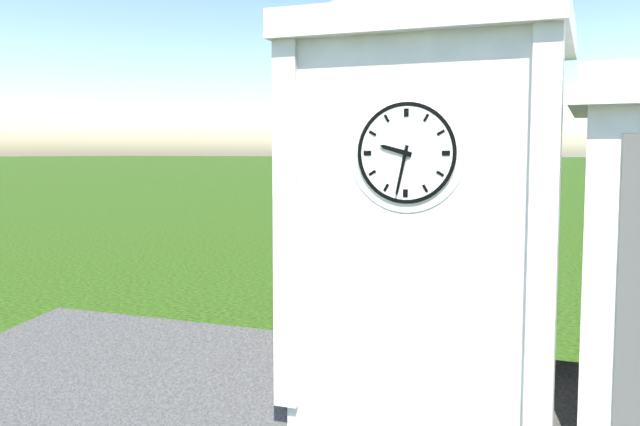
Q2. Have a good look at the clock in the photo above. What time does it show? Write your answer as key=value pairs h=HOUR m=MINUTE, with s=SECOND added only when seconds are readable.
h=9 m=32
